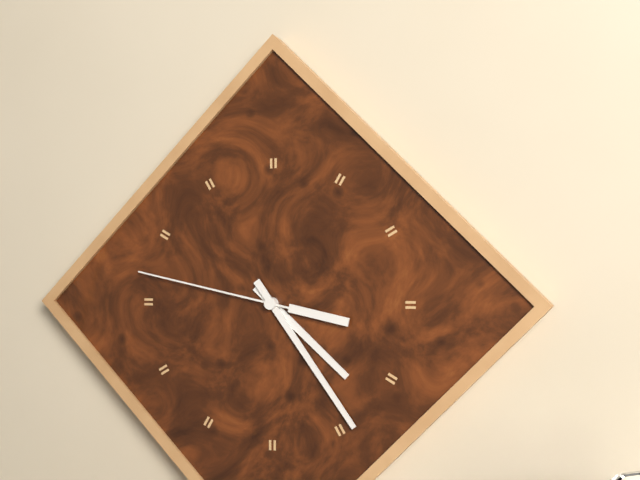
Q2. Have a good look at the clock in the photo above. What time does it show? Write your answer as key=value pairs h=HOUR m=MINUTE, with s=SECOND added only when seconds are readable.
h=4 m=24 s=47
